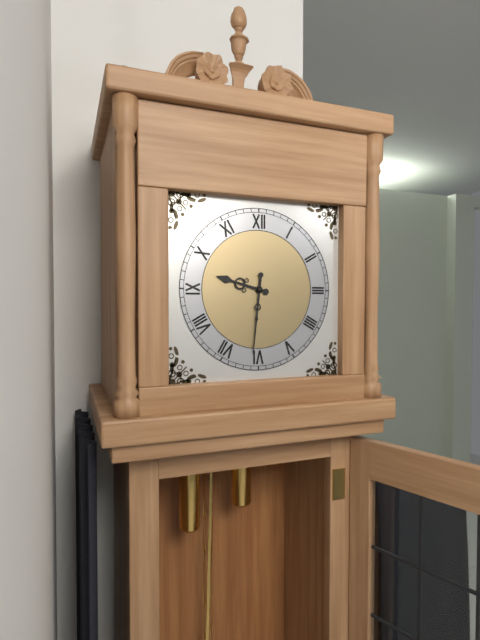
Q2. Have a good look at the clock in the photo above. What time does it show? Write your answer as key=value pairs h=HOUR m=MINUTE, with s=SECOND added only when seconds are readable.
h=9 m=31
